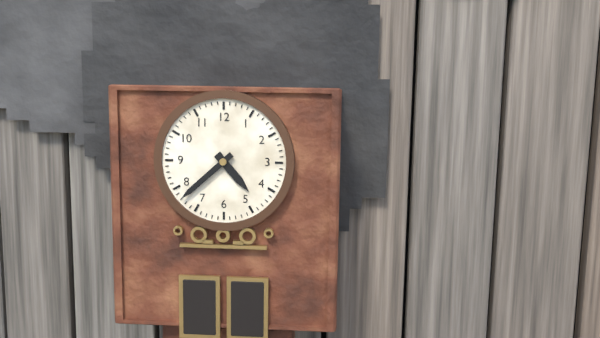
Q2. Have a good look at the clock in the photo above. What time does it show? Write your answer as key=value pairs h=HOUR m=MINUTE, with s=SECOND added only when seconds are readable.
h=4 m=38
